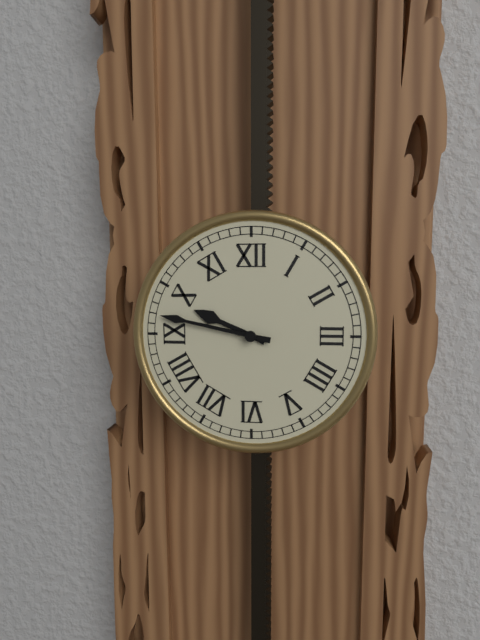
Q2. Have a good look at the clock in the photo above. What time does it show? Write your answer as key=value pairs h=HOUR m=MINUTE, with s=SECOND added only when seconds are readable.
h=9 m=47
